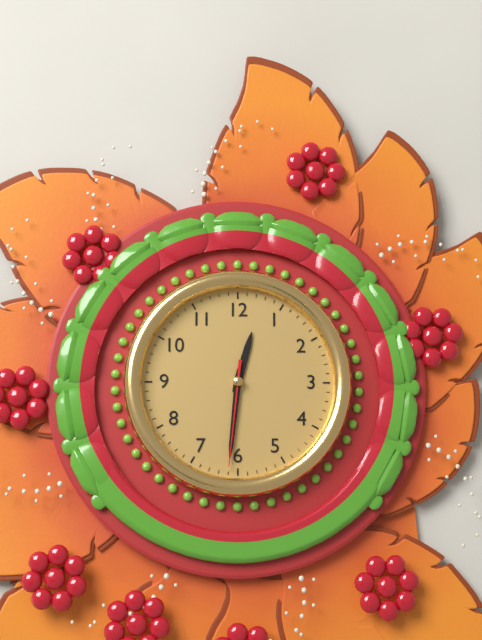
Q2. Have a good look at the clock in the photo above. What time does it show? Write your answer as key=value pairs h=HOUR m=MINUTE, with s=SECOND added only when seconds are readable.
h=12 m=31 s=31
